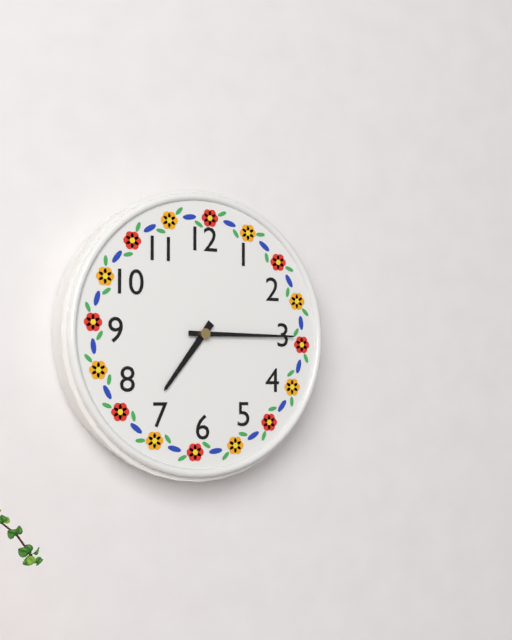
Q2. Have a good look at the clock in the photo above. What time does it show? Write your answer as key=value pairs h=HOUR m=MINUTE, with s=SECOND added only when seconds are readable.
h=7 m=15
